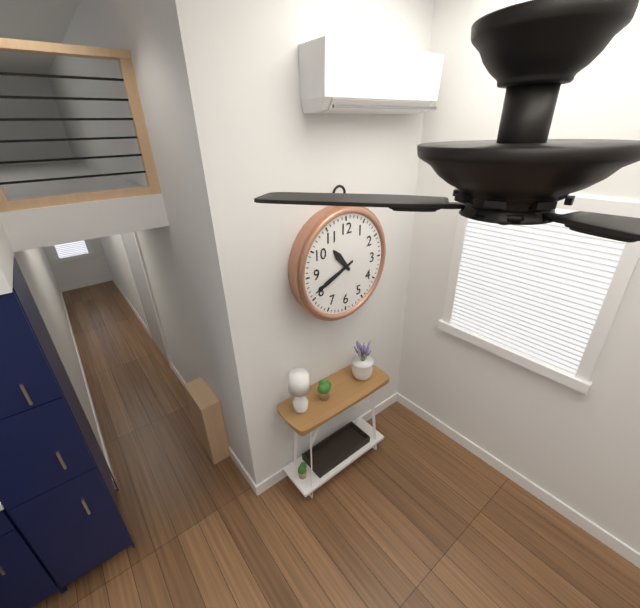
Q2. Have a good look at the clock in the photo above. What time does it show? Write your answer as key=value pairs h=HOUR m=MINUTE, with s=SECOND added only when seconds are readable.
h=10 m=41
